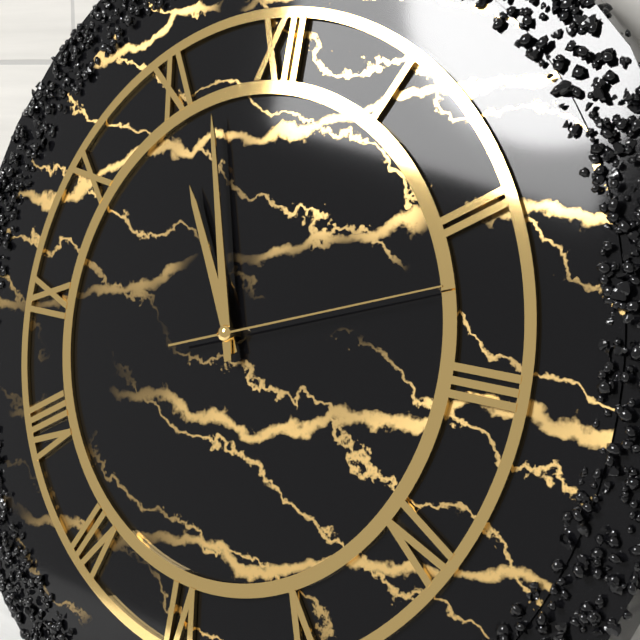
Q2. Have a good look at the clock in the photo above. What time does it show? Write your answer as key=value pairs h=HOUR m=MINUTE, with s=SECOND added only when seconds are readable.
h=10 m=57 s=12
